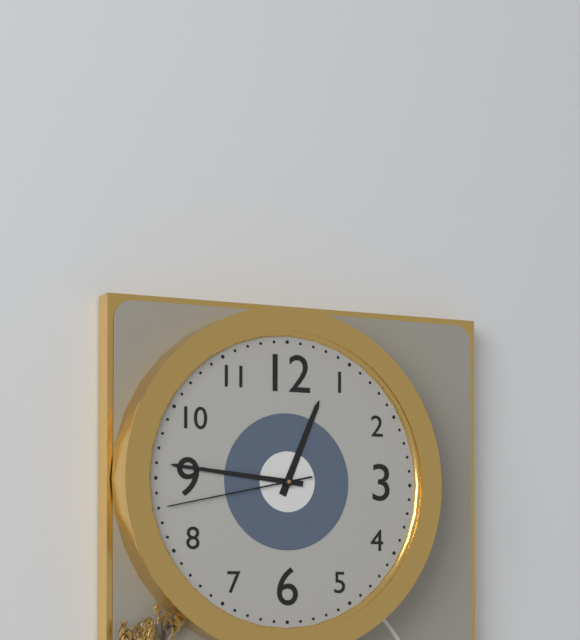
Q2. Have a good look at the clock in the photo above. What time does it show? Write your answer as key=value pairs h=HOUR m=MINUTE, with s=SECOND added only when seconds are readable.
h=12 m=46 s=43
